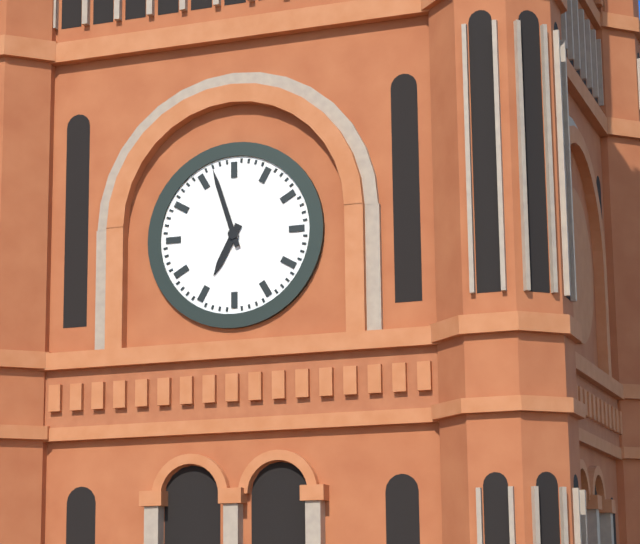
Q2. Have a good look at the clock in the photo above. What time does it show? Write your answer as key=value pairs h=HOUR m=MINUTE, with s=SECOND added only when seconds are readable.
h=6 m=57
